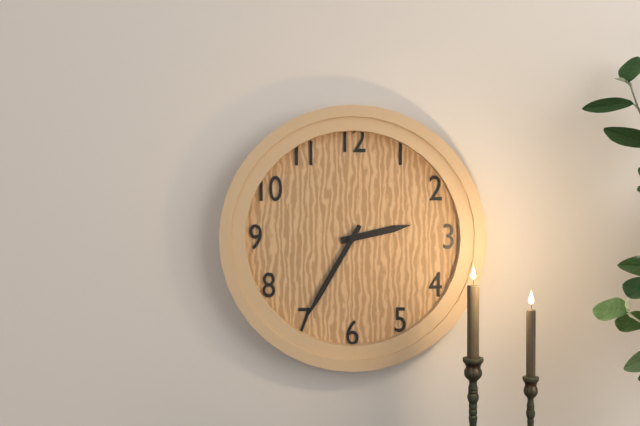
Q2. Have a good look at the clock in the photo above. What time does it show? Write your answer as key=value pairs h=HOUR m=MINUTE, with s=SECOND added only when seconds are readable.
h=2 m=35
